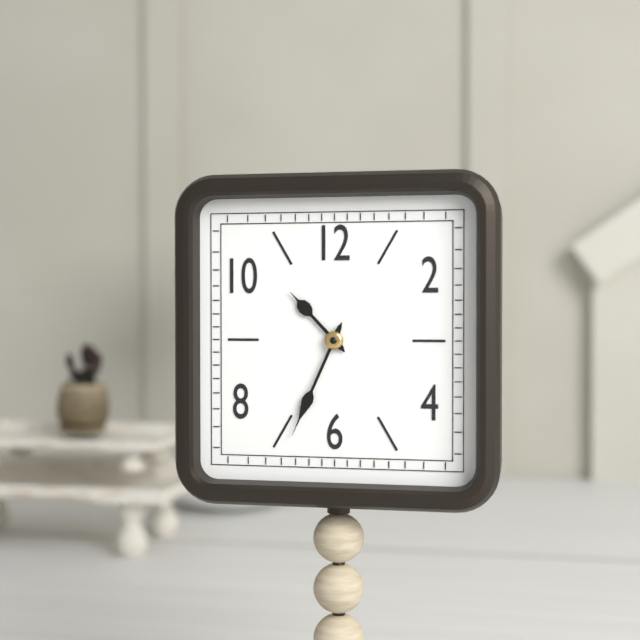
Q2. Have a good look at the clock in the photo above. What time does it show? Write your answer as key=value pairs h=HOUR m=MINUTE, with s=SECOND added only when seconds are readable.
h=10 m=34
